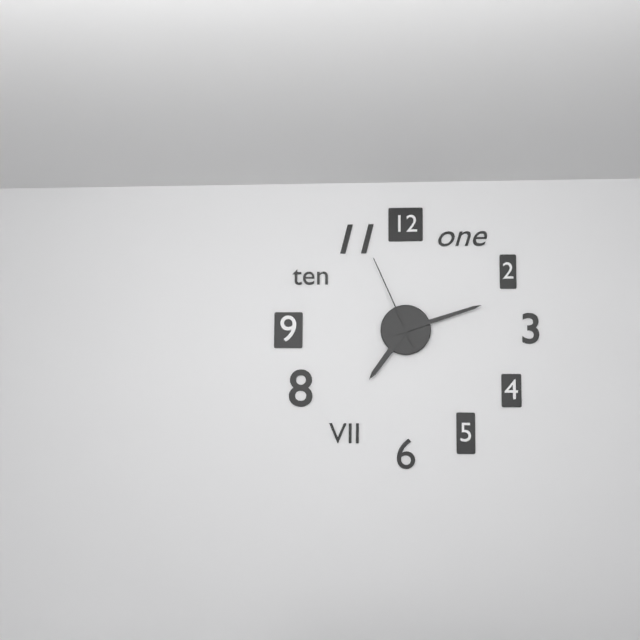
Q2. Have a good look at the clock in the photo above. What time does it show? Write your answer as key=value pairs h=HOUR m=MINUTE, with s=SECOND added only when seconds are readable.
h=7 m=12 s=56
